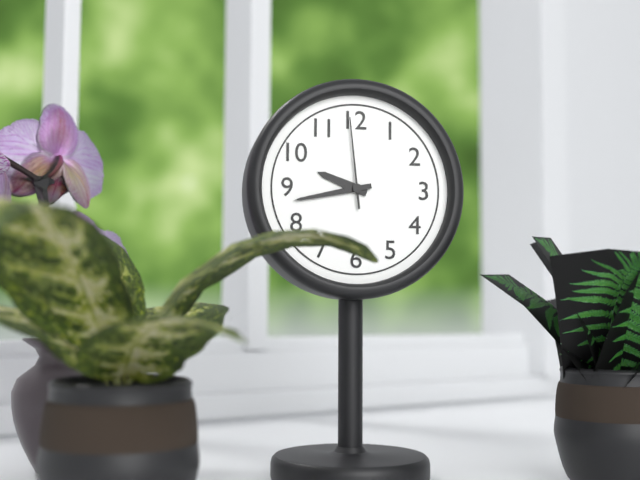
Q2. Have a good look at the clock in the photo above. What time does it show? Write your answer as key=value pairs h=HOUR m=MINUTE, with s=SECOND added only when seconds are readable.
h=9 m=43 s=59
